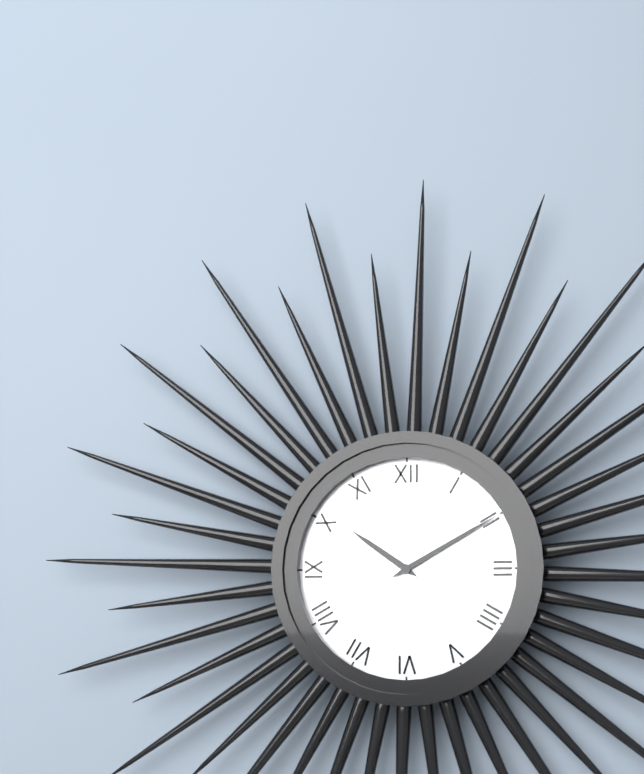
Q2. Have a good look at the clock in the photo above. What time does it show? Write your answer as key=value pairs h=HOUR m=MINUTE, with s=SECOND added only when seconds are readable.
h=10 m=10
